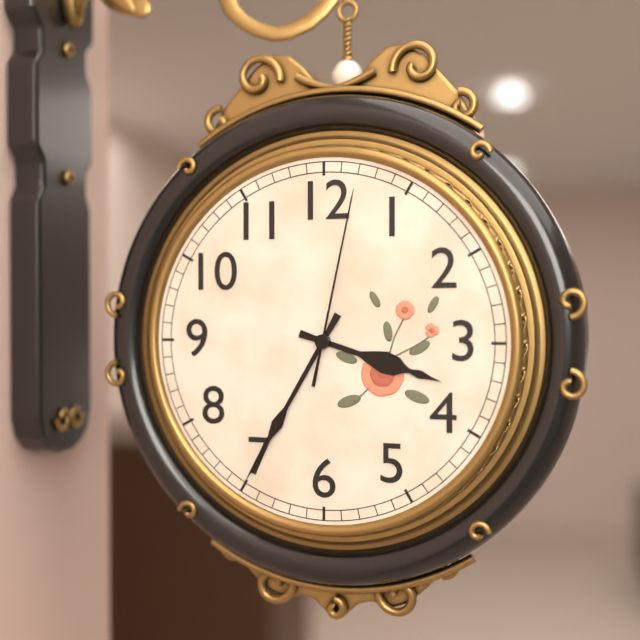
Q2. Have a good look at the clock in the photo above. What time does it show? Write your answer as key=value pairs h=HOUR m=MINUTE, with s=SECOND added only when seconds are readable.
h=3 m=35 s=2
